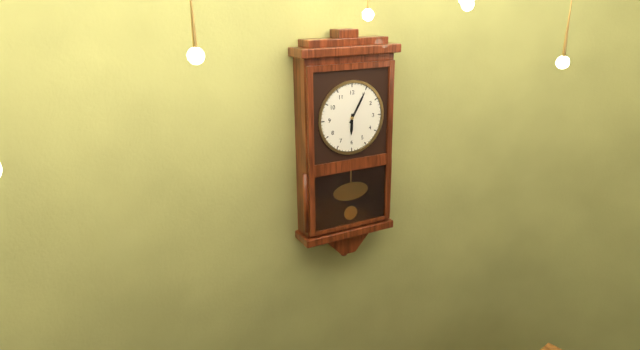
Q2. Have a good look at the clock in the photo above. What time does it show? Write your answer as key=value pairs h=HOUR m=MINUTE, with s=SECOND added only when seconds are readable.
h=6 m=5
